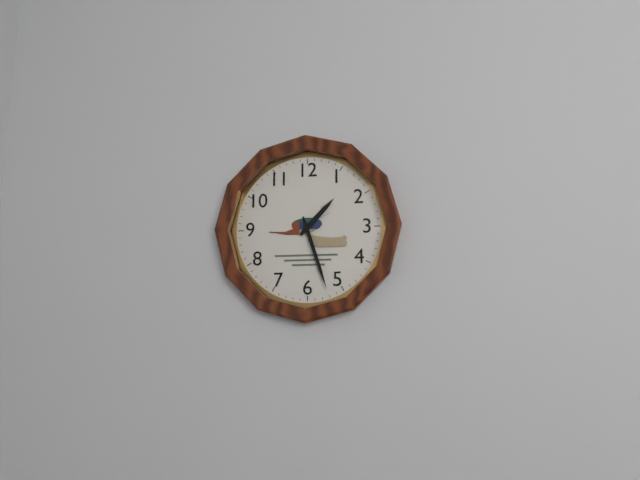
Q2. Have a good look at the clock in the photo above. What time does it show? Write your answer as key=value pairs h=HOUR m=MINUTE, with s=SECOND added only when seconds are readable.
h=1 m=27
